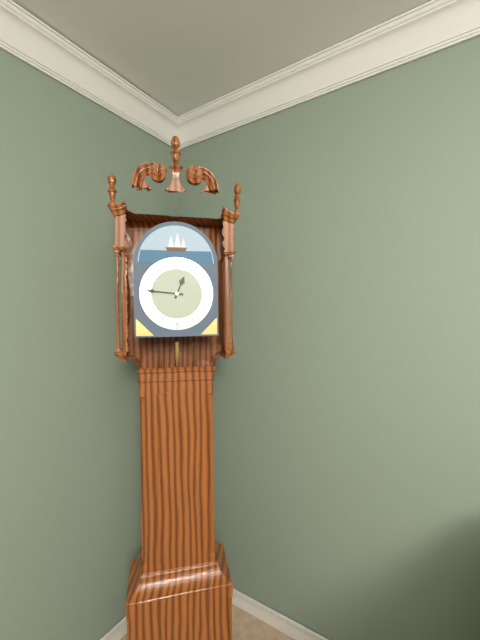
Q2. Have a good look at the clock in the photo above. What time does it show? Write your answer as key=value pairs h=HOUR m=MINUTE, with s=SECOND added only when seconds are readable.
h=12 m=46
